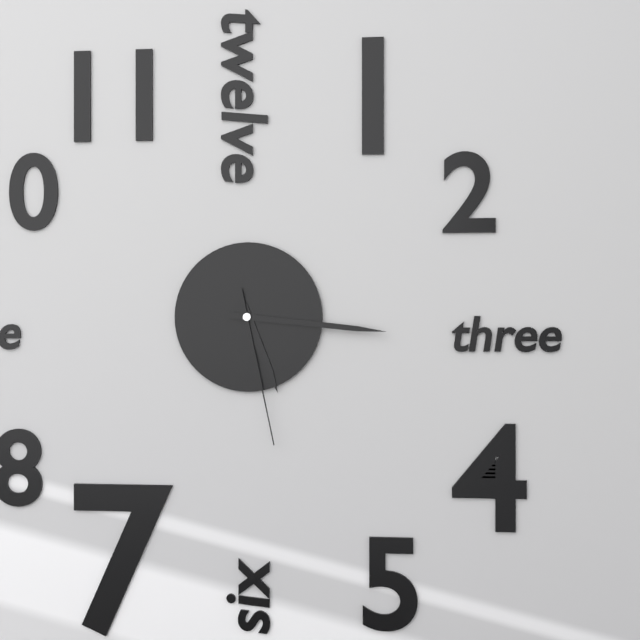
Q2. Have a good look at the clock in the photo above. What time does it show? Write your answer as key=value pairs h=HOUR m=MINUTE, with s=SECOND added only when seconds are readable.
h=5 m=16 s=28
